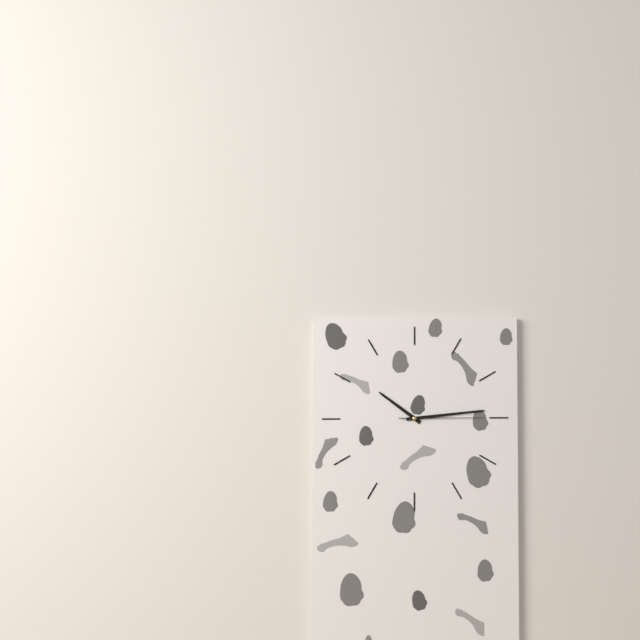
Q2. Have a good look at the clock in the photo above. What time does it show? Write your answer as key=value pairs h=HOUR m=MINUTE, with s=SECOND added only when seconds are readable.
h=10 m=14 s=15
